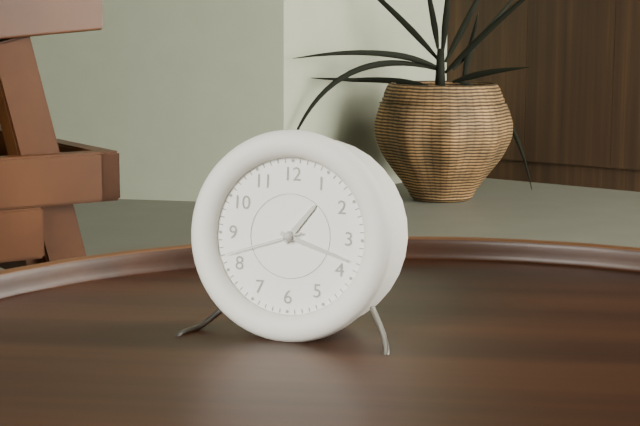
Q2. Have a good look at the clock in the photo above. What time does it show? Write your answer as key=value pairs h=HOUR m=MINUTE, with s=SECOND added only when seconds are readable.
h=1 m=18 s=42
